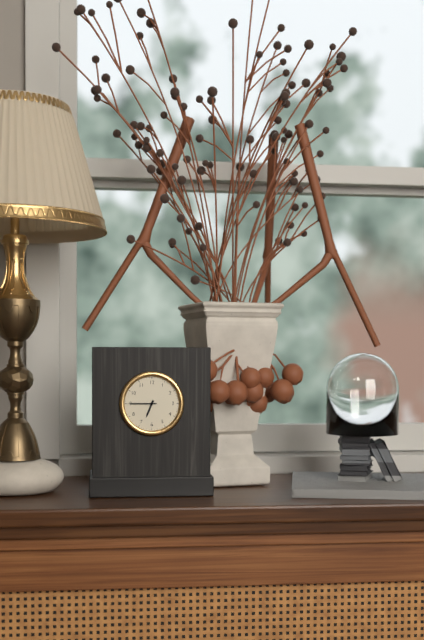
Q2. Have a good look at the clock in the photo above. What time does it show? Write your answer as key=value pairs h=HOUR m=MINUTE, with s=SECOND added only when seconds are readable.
h=6 m=45
